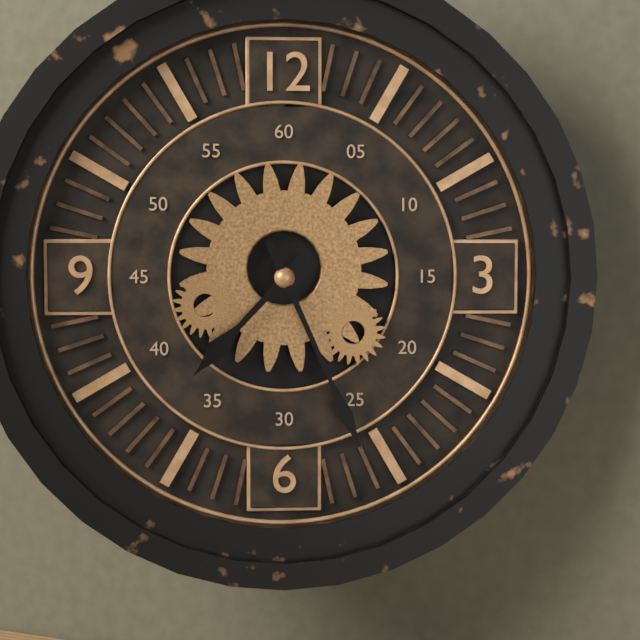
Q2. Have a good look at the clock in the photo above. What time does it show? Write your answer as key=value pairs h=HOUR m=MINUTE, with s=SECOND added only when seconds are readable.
h=7 m=26
